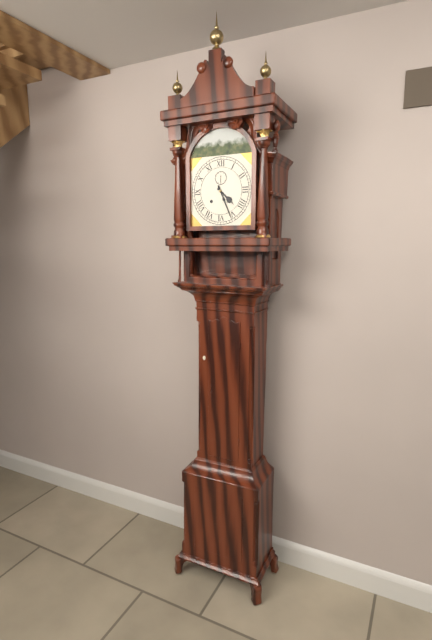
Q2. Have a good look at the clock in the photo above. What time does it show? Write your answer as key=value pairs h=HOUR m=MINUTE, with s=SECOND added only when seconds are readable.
h=4 m=26
